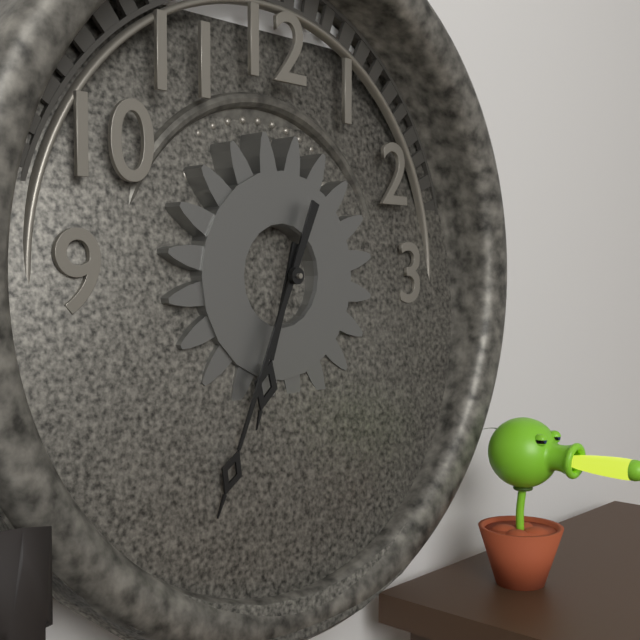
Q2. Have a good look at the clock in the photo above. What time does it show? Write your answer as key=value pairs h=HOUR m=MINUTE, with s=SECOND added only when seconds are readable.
h=6 m=34
